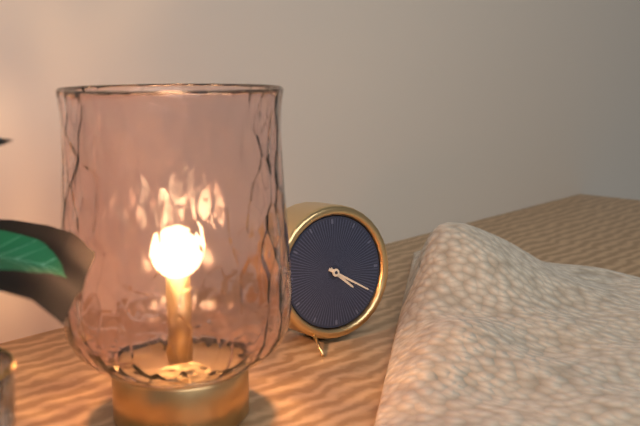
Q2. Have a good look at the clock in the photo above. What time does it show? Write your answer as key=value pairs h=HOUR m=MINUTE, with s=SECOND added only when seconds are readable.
h=4 m=20
